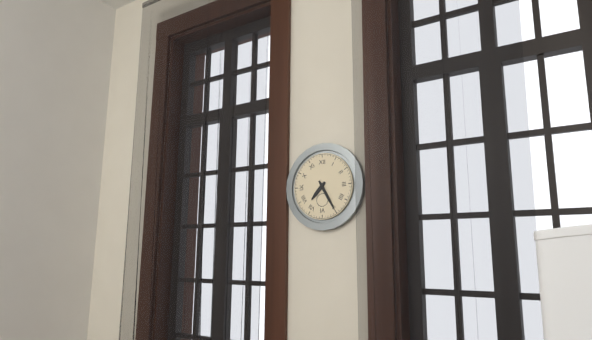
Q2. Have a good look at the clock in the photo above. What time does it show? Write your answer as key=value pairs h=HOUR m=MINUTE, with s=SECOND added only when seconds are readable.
h=7 m=25
